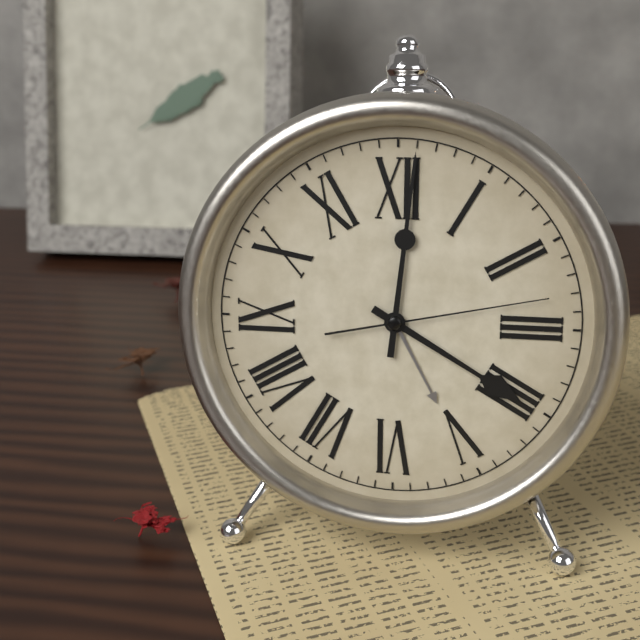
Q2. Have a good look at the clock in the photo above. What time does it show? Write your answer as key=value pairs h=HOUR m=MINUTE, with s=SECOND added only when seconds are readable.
h=4 m=1 s=13
